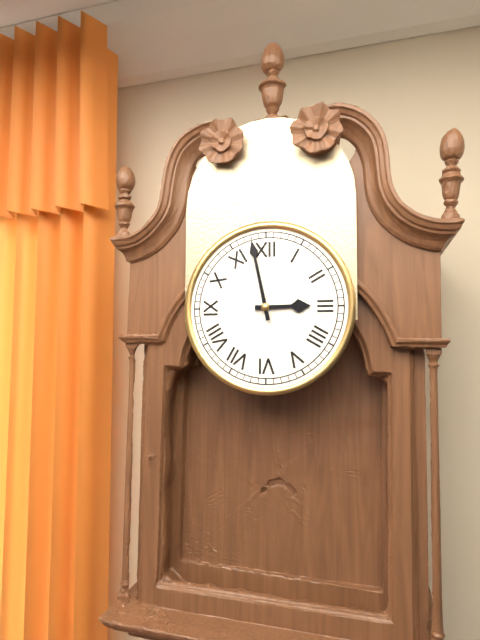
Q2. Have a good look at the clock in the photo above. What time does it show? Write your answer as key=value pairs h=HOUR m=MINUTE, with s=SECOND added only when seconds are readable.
h=2 m=58
